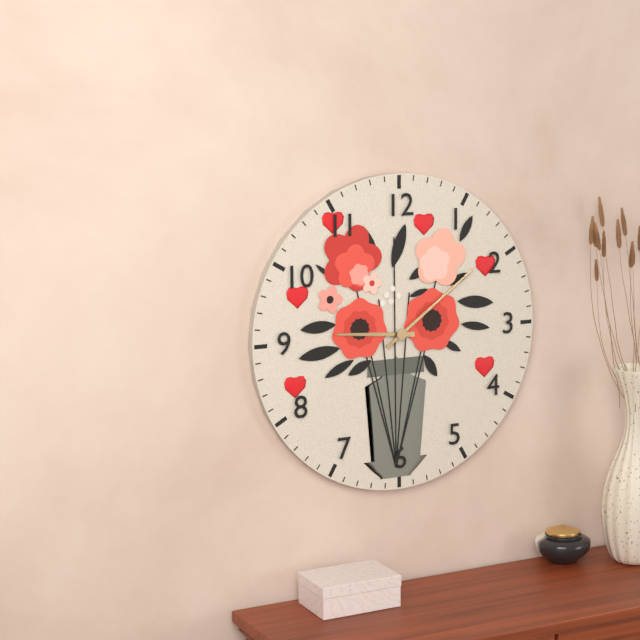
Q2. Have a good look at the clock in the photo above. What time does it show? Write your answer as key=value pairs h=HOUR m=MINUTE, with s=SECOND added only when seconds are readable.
h=9 m=9
